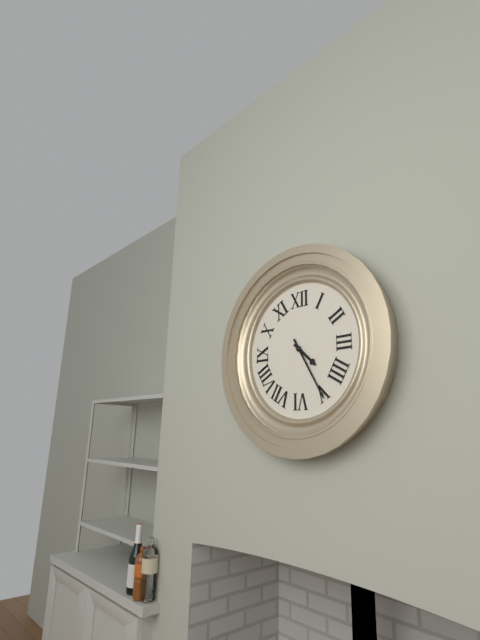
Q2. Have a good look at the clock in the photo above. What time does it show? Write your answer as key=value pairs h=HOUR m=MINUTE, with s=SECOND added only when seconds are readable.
h=4 m=25
